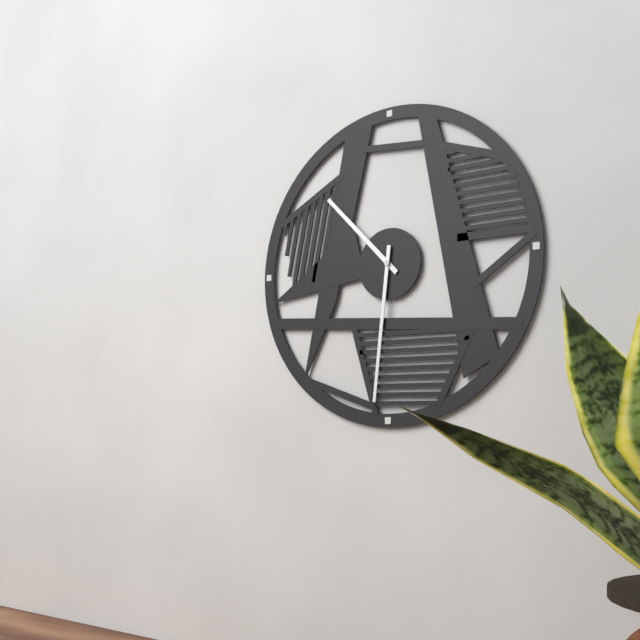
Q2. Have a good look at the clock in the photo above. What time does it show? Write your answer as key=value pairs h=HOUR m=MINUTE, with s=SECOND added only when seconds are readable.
h=10 m=31
